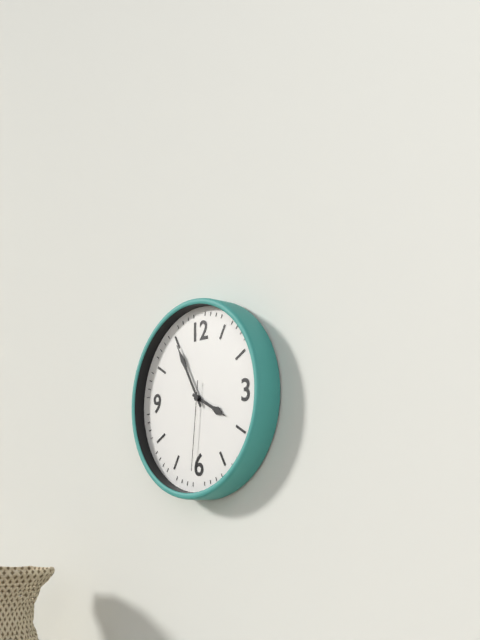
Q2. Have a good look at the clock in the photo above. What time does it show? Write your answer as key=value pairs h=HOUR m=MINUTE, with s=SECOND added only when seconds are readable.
h=3 m=55 s=31
